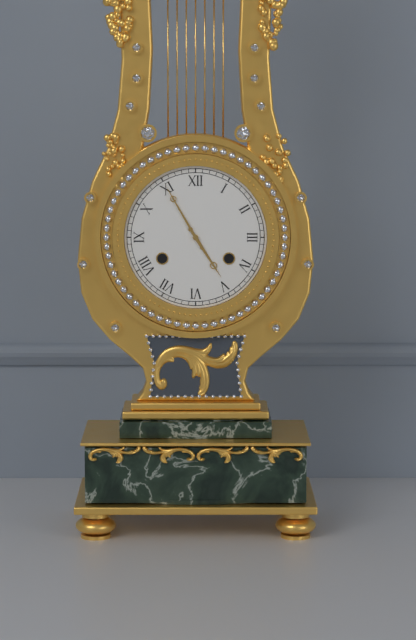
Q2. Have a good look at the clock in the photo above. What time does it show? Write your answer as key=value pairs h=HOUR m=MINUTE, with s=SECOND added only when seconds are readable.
h=4 m=55
